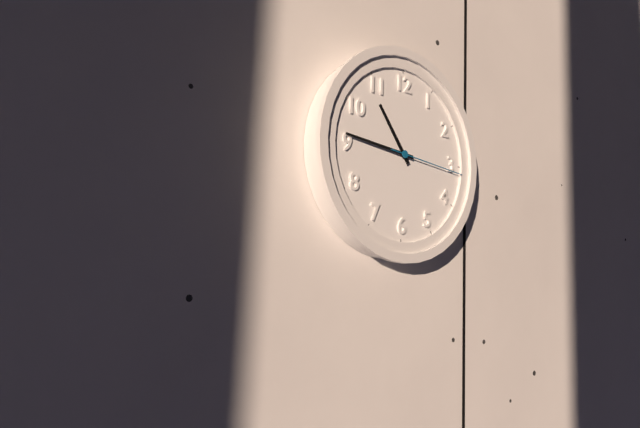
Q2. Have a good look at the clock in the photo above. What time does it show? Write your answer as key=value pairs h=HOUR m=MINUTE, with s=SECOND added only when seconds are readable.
h=10 m=46 s=16
